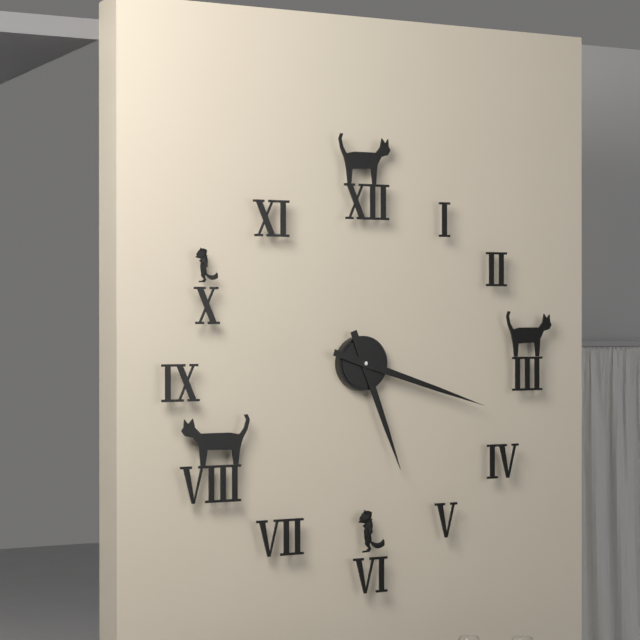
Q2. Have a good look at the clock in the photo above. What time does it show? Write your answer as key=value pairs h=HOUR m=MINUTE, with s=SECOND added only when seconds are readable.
h=5 m=18
